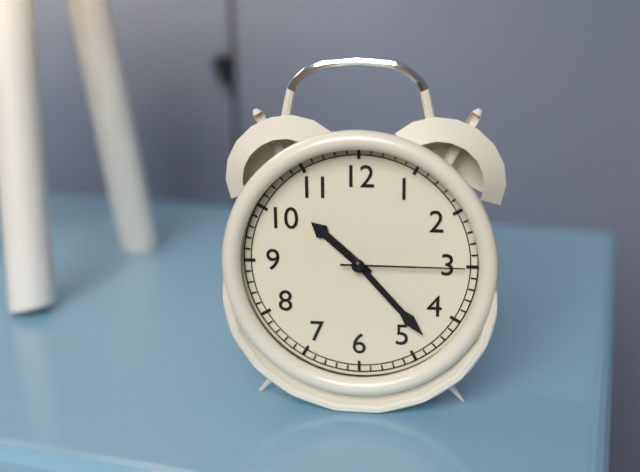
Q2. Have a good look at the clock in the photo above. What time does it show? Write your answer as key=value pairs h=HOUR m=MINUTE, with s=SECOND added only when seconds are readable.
h=10 m=23 s=15
